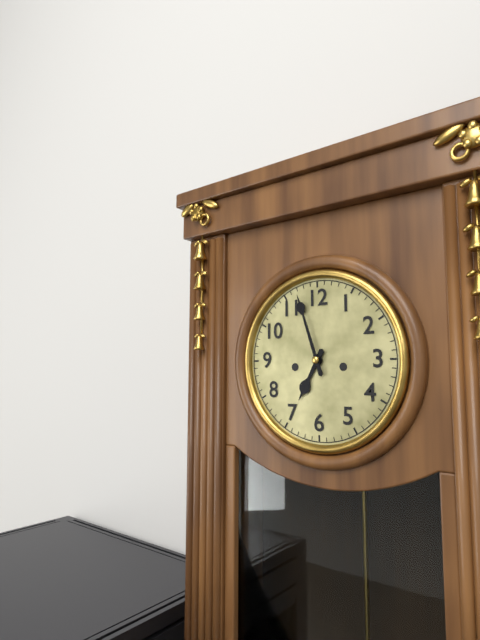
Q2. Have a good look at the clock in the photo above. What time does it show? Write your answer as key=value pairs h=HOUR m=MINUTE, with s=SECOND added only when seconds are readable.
h=6 m=57
